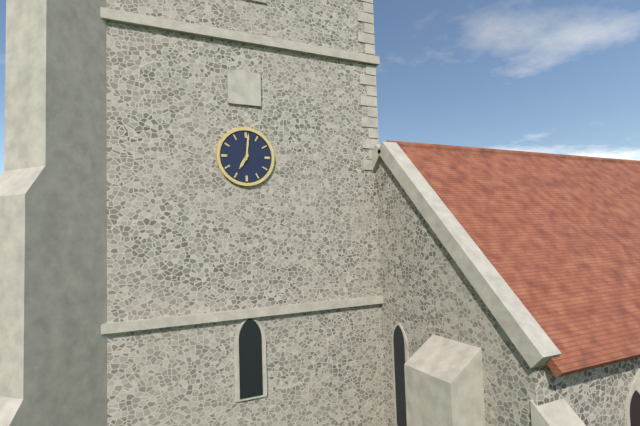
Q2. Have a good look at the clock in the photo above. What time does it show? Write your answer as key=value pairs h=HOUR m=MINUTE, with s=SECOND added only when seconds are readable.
h=7 m=1
